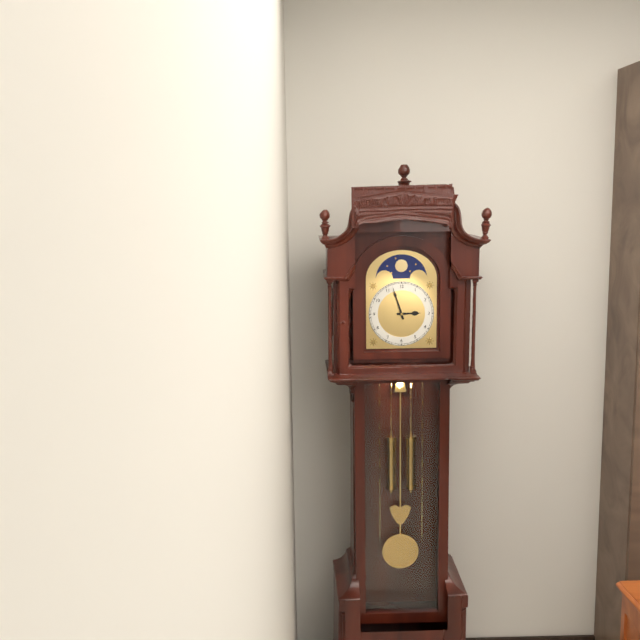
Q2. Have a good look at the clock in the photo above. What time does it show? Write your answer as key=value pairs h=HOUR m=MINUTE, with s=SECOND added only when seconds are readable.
h=2 m=57
